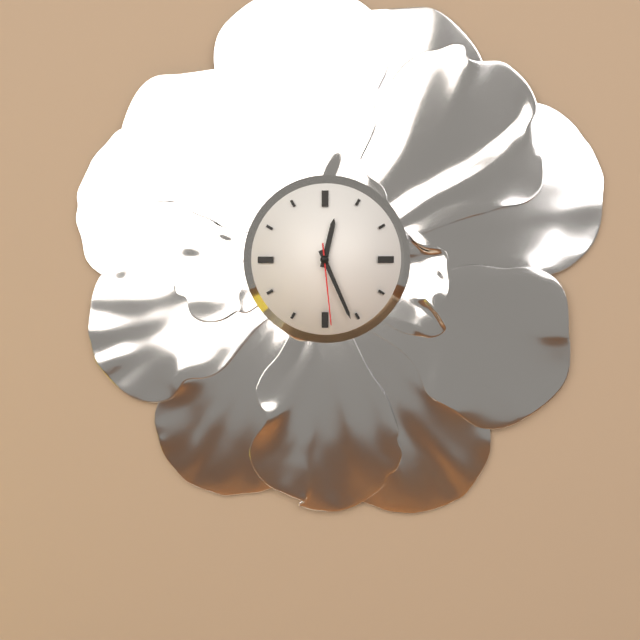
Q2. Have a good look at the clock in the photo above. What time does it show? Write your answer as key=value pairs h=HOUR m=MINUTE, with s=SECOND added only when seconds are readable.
h=12 m=26 s=29
